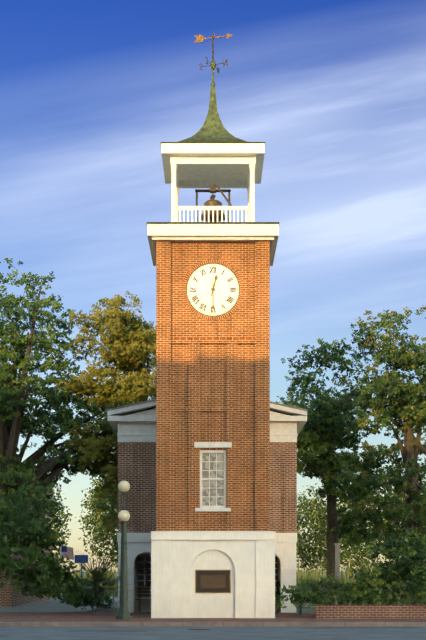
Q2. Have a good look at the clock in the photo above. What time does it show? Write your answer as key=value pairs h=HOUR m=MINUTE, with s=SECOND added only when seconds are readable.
h=12 m=30
